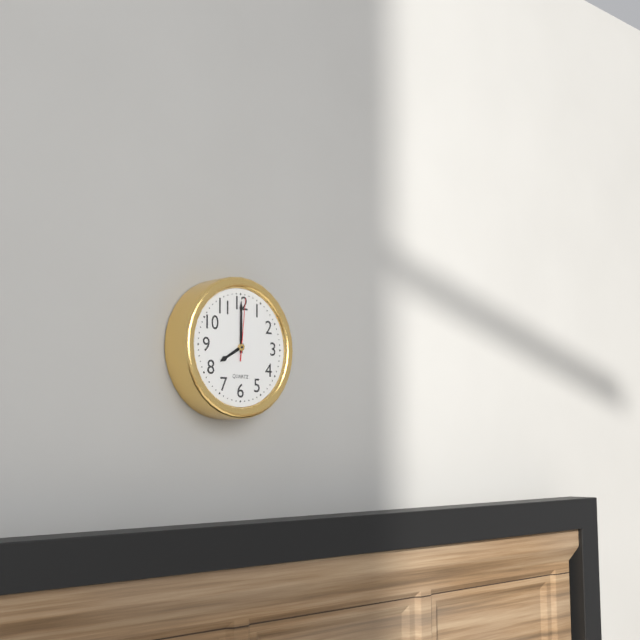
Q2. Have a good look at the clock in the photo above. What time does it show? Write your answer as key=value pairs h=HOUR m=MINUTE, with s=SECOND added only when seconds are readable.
h=8 m=0 s=1
